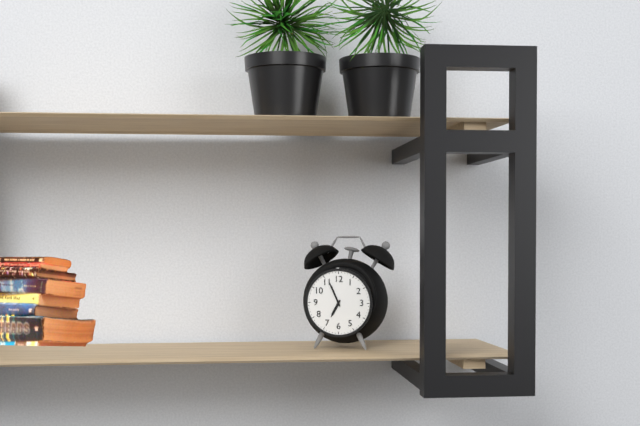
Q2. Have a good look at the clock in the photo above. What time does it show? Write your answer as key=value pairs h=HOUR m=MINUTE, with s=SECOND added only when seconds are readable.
h=6 m=56
